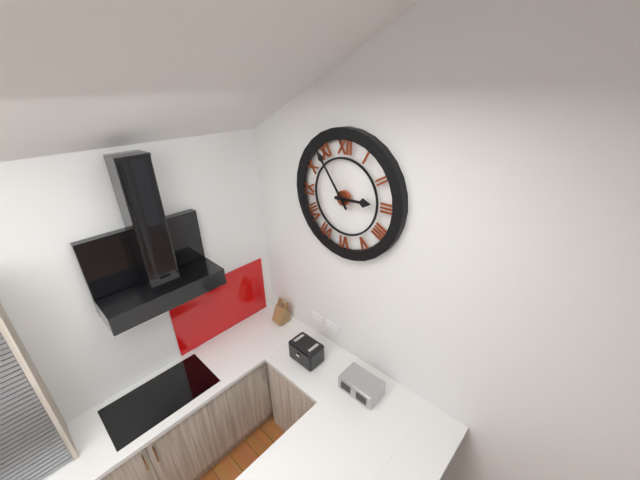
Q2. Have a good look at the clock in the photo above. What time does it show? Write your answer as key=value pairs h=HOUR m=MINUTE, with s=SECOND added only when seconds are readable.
h=2 m=54
